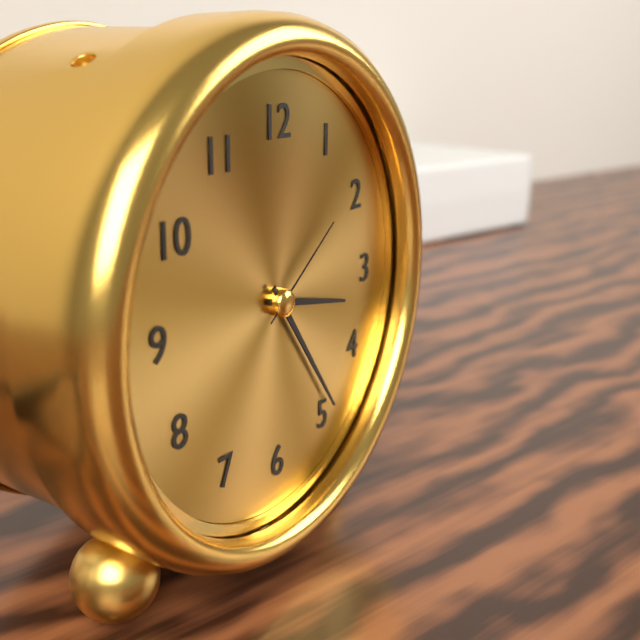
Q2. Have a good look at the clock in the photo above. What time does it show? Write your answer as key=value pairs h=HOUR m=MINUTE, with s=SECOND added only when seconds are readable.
h=3 m=24 s=9
